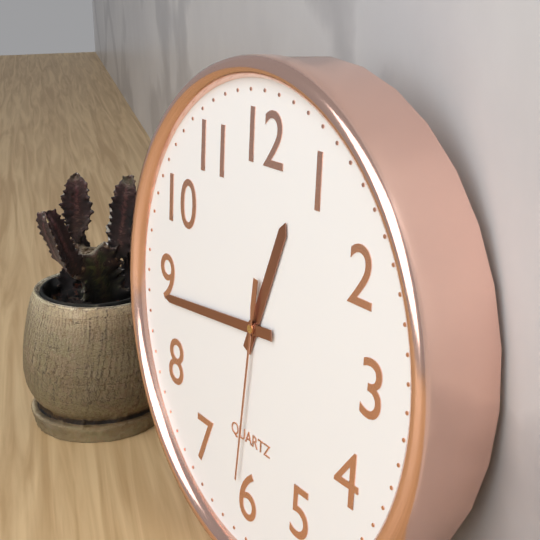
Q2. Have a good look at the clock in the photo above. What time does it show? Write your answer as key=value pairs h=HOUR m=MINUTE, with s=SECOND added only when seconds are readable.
h=12 m=44 s=31
